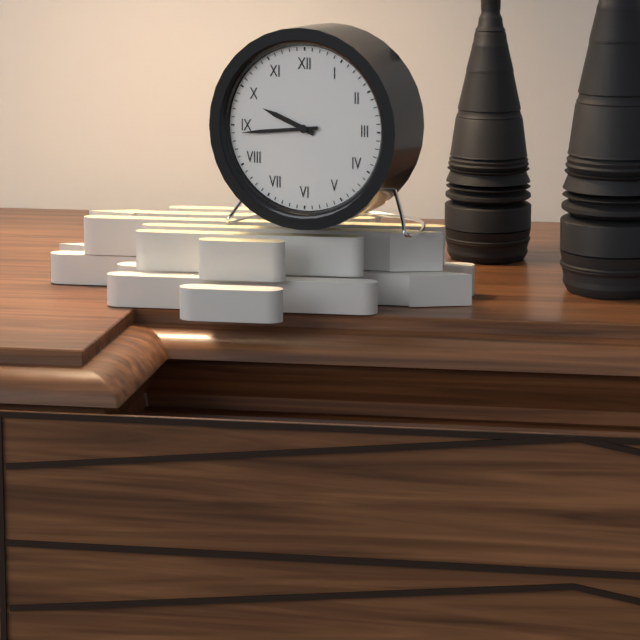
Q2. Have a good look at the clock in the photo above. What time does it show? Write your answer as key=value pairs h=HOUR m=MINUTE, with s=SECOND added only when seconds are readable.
h=9 m=44
